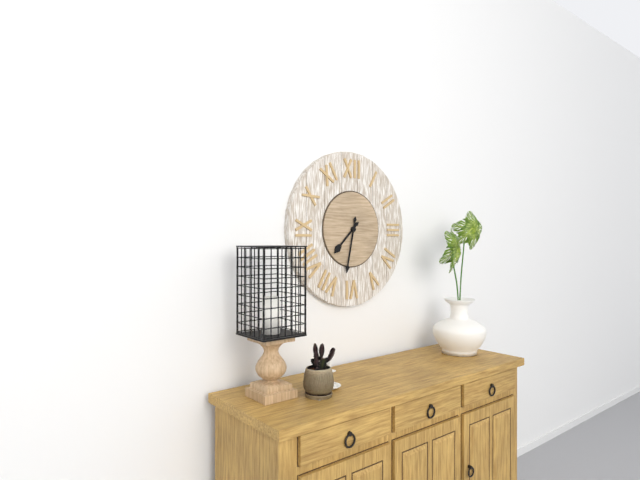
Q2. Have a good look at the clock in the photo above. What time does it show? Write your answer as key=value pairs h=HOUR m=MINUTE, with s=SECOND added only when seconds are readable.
h=7 m=32
